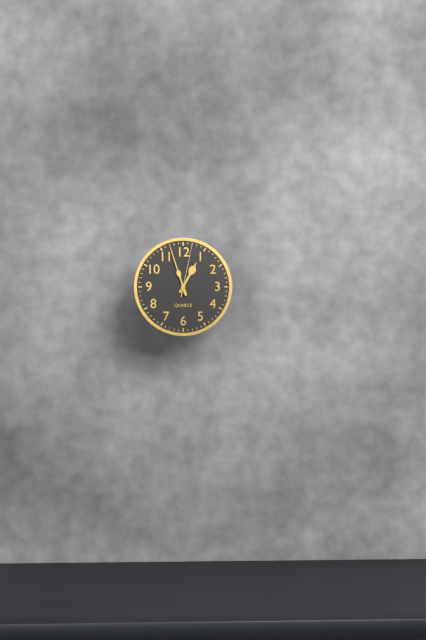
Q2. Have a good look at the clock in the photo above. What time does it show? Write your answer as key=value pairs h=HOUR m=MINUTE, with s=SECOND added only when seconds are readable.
h=12 m=57 s=2
